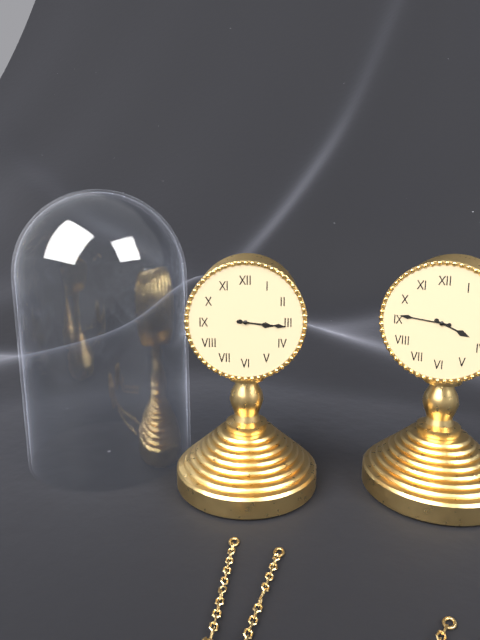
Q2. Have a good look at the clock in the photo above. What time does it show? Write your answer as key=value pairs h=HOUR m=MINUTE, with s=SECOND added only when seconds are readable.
h=3 m=16
